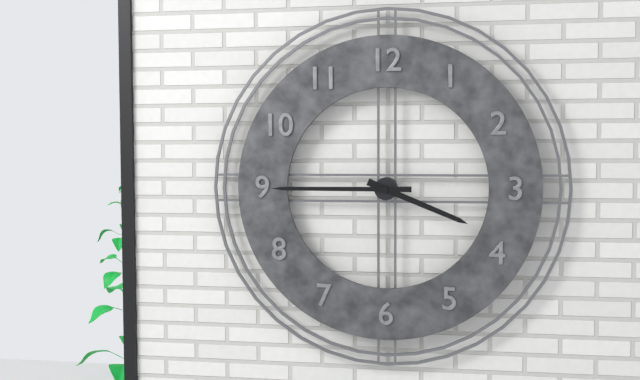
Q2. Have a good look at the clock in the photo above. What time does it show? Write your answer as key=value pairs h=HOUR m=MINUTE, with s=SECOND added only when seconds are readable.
h=3 m=45
